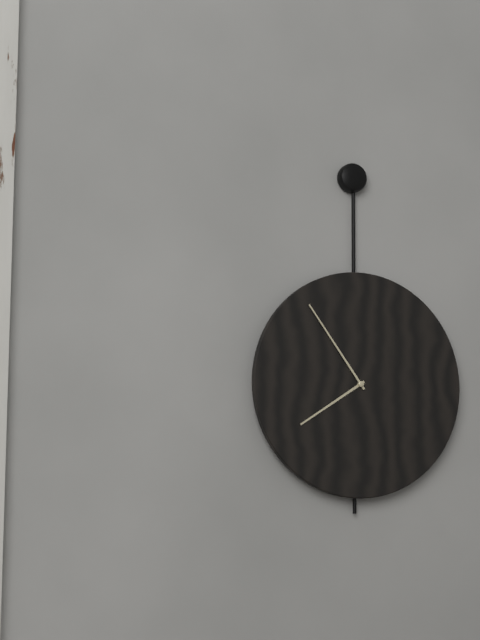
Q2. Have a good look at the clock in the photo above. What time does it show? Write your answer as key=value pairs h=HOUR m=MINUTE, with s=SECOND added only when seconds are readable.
h=7 m=54
